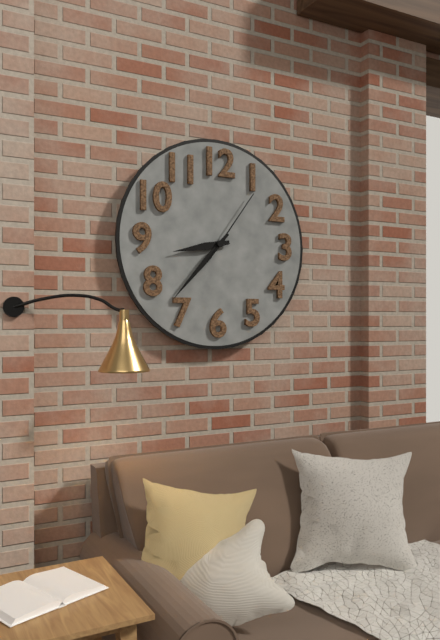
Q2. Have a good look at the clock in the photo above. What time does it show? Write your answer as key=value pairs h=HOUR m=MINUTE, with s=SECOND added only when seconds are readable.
h=8 m=37 s=6
